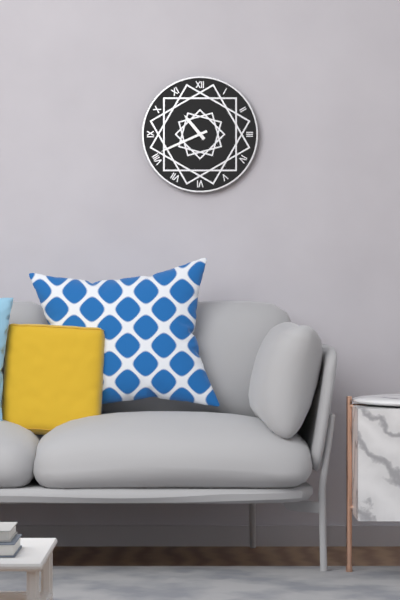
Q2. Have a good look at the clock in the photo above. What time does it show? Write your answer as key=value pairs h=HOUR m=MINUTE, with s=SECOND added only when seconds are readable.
h=10 m=41
